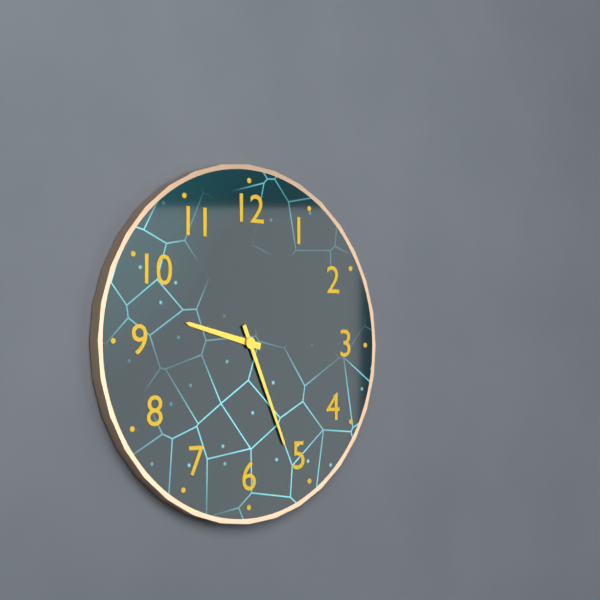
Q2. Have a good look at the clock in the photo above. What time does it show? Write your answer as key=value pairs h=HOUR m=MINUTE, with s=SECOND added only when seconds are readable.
h=9 m=26
